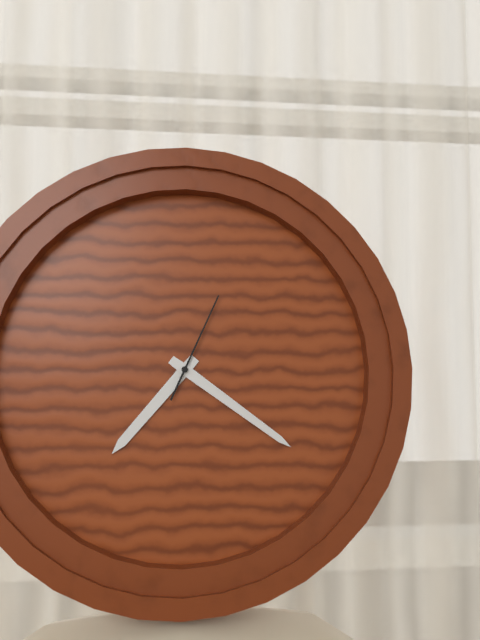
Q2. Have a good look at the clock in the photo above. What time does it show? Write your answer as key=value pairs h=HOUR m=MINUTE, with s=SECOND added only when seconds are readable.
h=7 m=21 s=4
